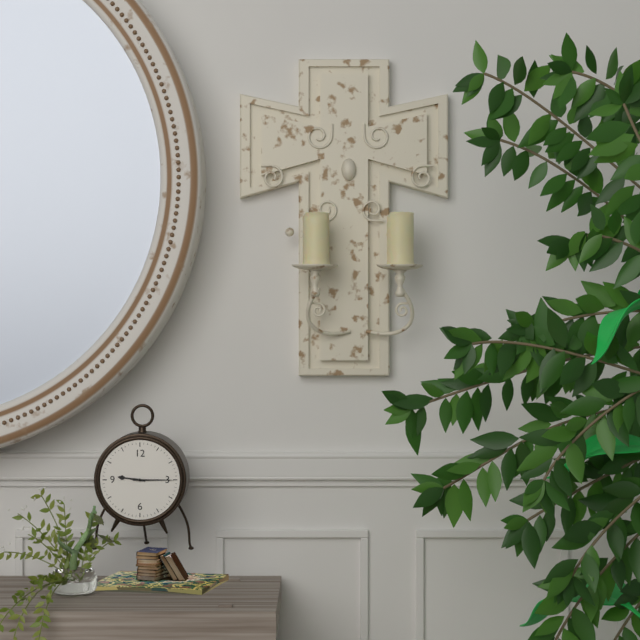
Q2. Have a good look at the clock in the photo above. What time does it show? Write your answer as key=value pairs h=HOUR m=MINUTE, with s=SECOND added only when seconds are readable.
h=9 m=15
